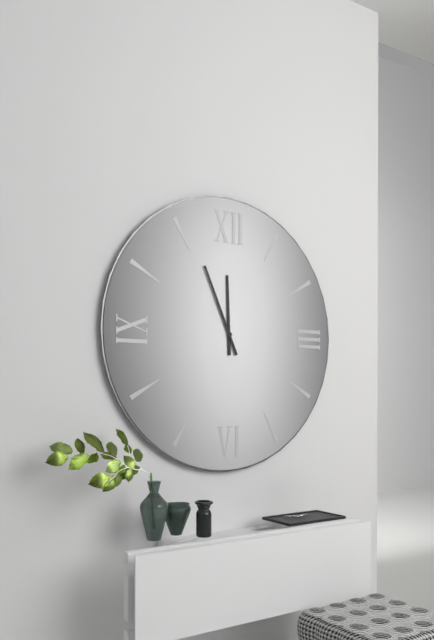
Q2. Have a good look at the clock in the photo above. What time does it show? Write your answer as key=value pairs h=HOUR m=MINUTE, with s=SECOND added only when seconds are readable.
h=11 m=56
